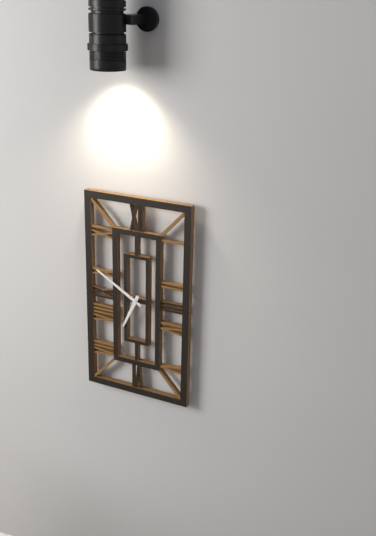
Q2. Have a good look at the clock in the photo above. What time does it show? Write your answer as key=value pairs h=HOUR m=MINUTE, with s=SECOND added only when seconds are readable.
h=6 m=50
